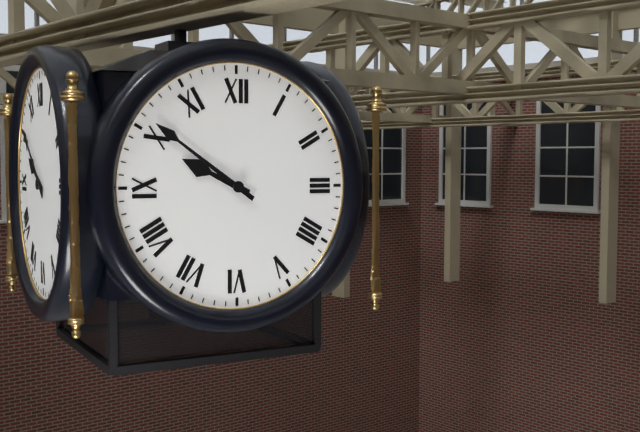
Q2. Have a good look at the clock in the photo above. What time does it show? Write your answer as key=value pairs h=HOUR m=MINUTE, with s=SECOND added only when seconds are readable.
h=9 m=51
